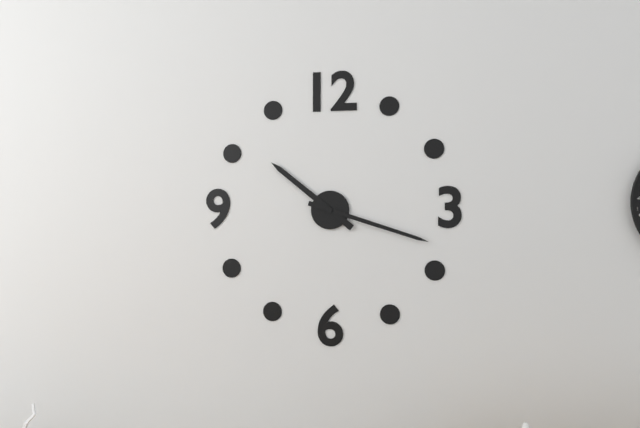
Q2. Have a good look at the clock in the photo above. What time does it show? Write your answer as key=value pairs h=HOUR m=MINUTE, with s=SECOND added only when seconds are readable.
h=10 m=18
